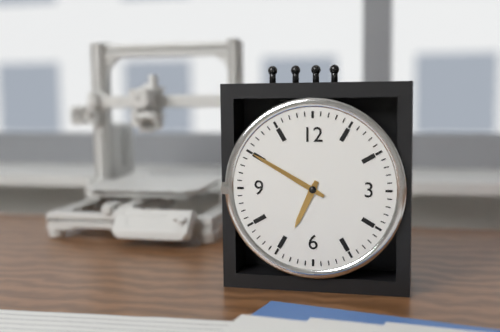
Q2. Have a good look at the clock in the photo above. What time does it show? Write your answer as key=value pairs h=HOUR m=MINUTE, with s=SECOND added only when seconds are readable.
h=6 m=50
